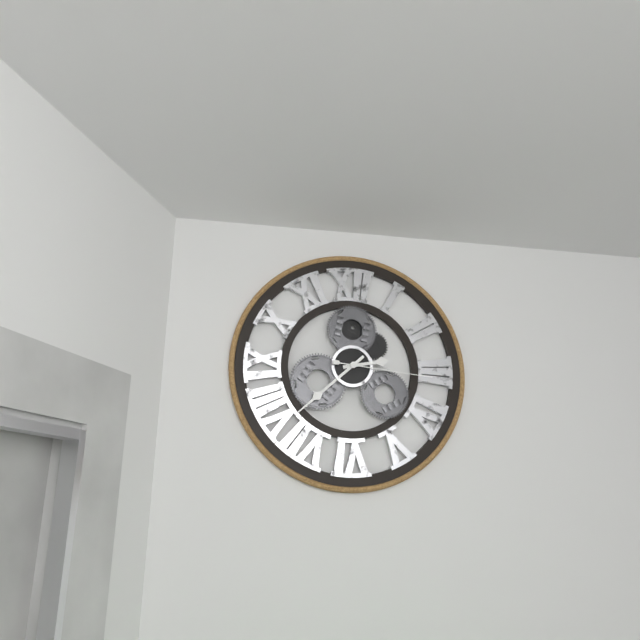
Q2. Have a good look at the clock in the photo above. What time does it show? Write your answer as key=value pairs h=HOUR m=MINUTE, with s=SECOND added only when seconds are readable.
h=2 m=38 s=16
